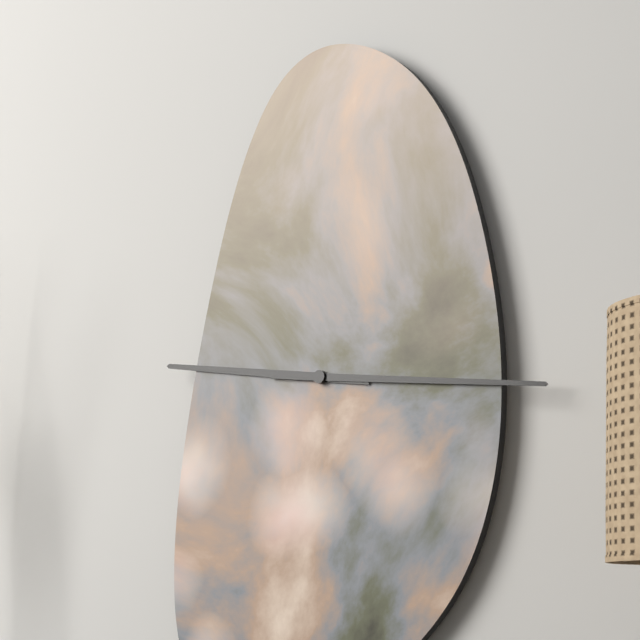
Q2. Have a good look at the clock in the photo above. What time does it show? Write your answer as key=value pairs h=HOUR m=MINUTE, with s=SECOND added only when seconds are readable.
h=9 m=16
